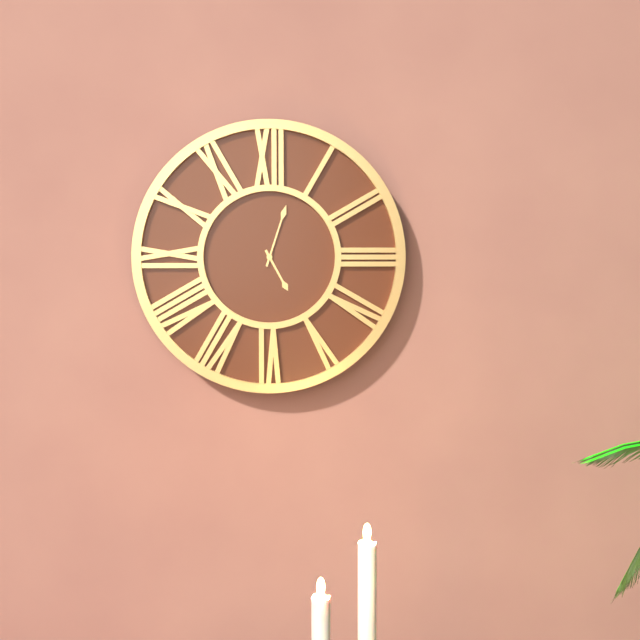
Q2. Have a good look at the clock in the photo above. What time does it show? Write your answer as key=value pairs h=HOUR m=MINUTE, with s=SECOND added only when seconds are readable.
h=5 m=3
